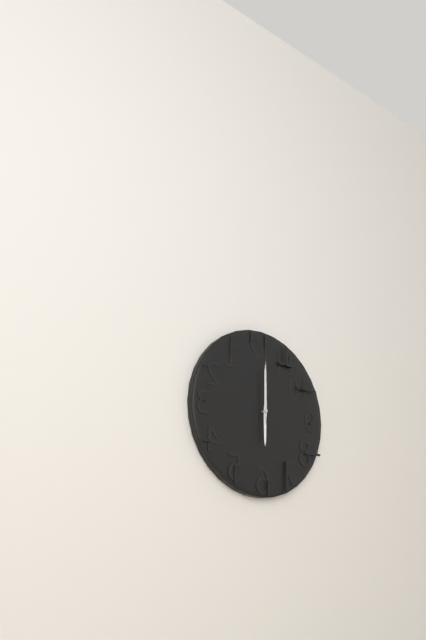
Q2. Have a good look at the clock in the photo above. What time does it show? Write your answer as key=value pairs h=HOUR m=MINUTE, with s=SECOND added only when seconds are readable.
h=6 m=0 s=0
